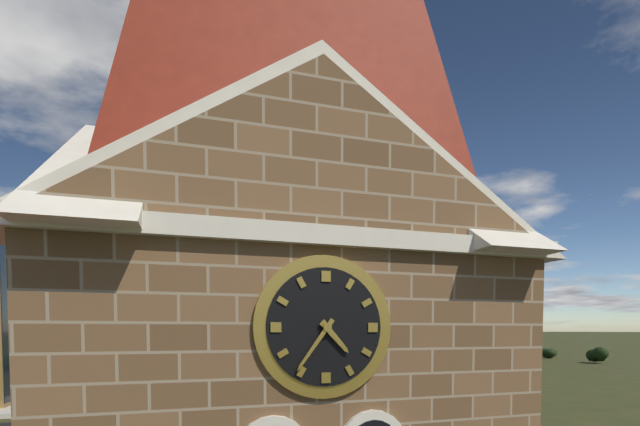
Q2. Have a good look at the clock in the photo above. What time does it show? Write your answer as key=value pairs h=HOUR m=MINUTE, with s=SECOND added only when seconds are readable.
h=4 m=36
